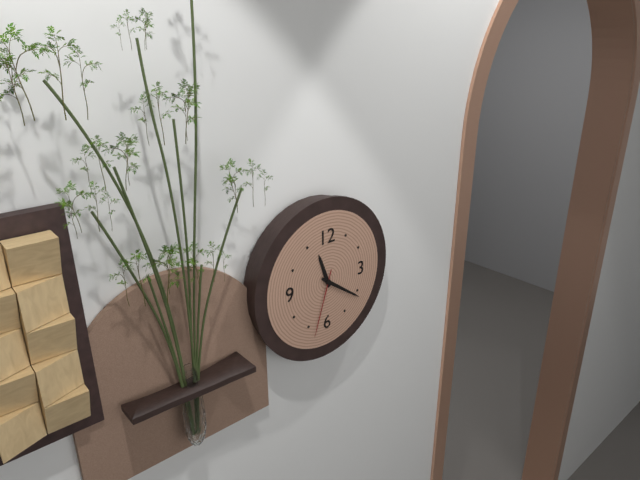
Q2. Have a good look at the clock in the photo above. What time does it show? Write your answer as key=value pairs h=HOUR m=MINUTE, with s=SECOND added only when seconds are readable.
h=11 m=21 s=33
